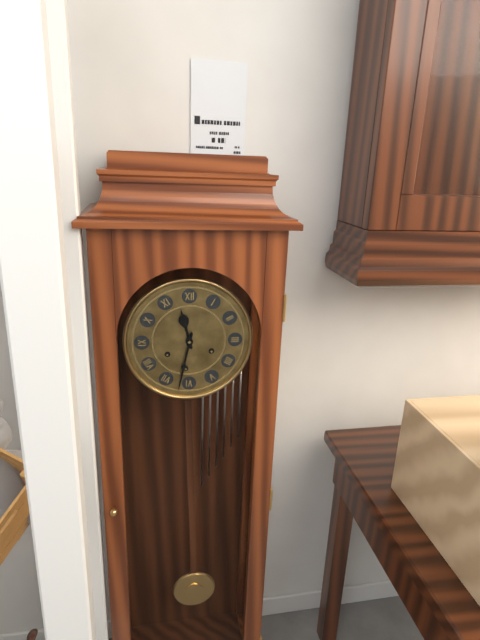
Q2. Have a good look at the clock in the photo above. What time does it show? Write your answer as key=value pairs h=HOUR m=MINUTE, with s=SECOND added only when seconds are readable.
h=11 m=32
